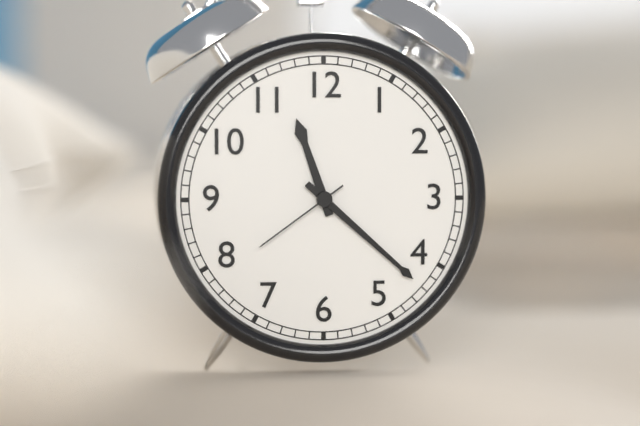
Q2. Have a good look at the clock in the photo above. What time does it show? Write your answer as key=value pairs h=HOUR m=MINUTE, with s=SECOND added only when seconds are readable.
h=11 m=22 s=39
